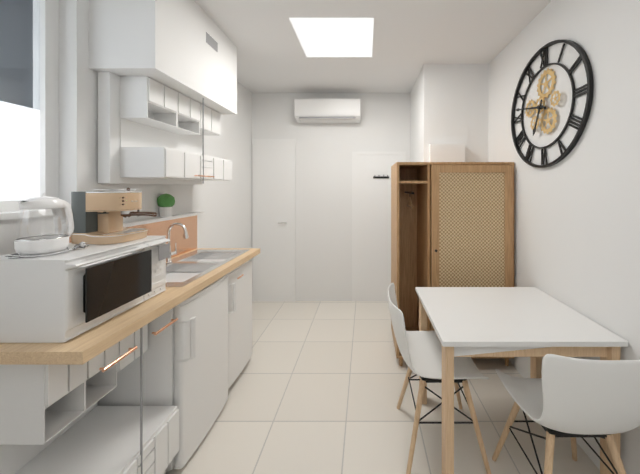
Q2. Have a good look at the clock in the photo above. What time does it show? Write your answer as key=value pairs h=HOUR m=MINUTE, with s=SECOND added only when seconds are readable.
h=6 m=47
